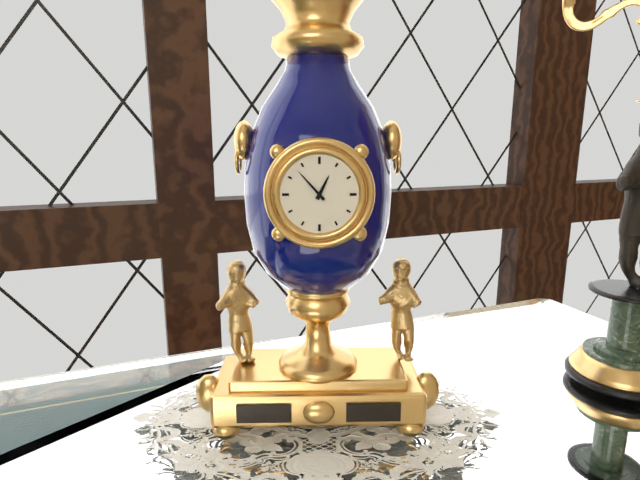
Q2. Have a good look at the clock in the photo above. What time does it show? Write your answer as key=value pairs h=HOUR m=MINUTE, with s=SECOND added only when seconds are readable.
h=12 m=53
